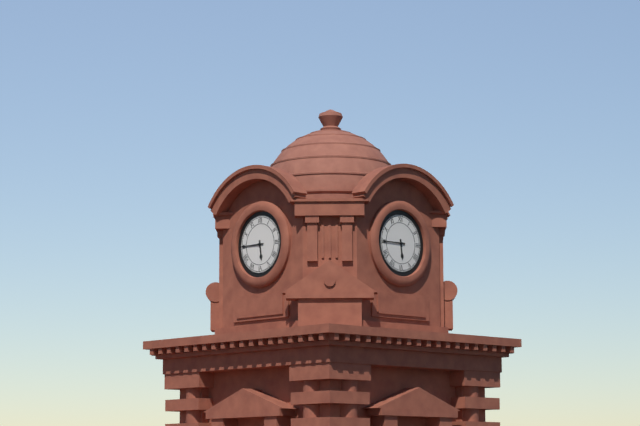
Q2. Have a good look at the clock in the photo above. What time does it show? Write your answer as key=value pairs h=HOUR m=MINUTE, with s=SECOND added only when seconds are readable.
h=5 m=45
